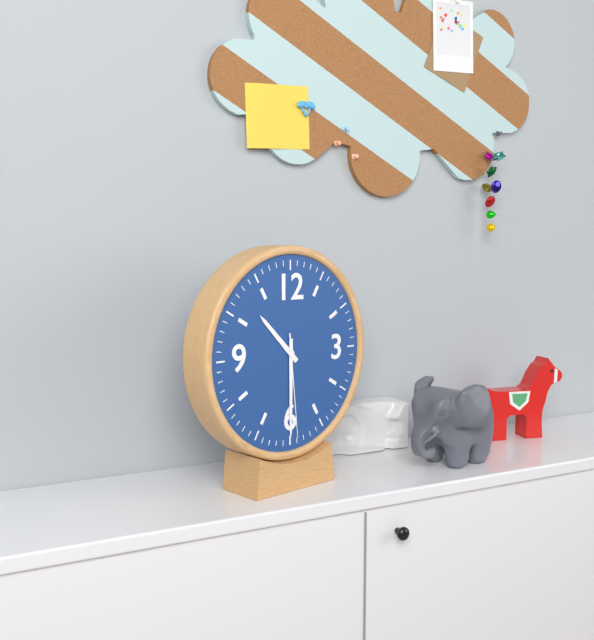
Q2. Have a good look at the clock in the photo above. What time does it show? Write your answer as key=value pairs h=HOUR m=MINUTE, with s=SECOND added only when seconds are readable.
h=10 m=30 s=29
